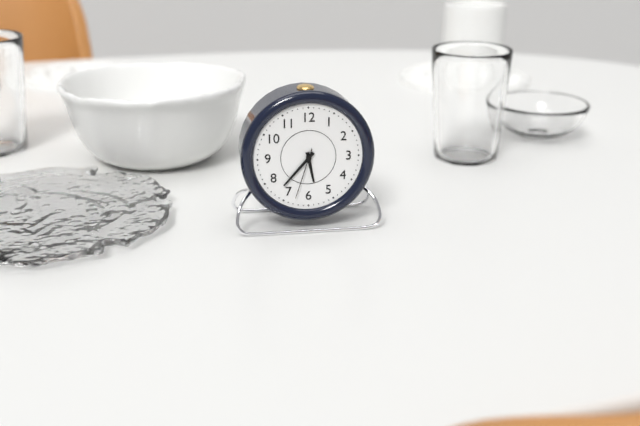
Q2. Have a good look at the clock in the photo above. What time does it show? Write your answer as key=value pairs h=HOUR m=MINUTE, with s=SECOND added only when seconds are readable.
h=5 m=37 s=33
